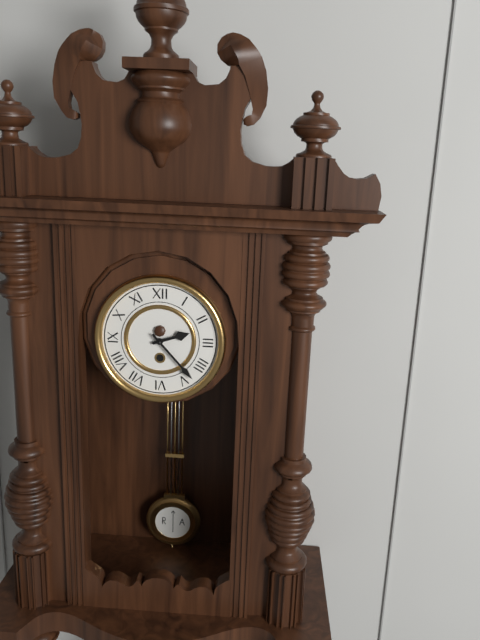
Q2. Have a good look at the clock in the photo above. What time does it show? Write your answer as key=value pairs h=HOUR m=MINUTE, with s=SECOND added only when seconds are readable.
h=2 m=23
